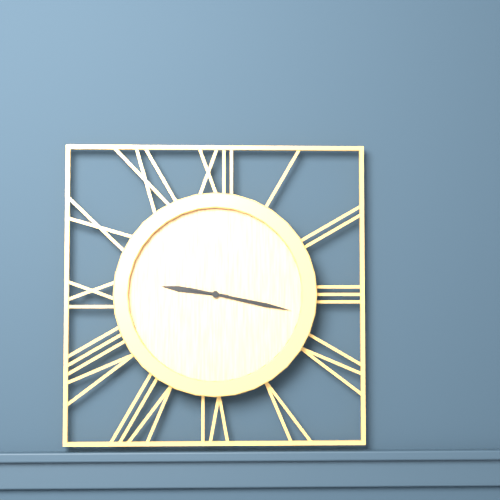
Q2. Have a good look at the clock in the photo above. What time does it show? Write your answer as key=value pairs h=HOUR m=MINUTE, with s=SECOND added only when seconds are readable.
h=9 m=17
